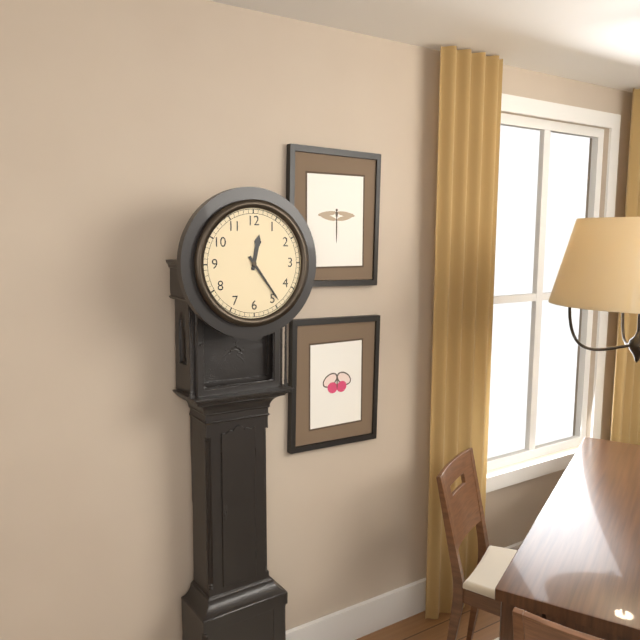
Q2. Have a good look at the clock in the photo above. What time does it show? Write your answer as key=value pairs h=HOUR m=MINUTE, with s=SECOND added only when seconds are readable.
h=12 m=24
